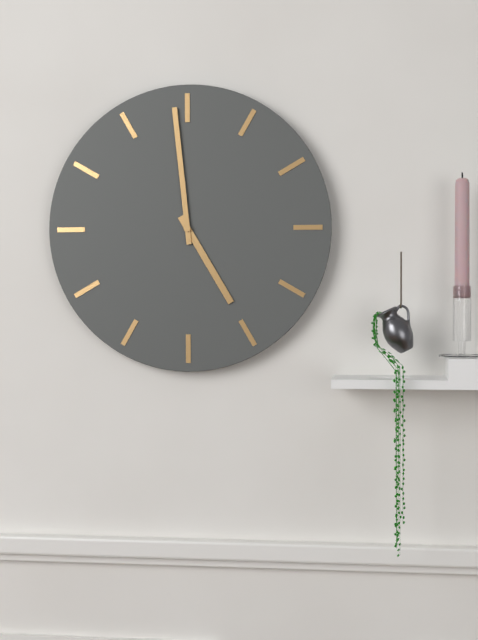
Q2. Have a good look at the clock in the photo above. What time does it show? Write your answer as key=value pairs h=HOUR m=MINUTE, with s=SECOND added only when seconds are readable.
h=4 m=59
